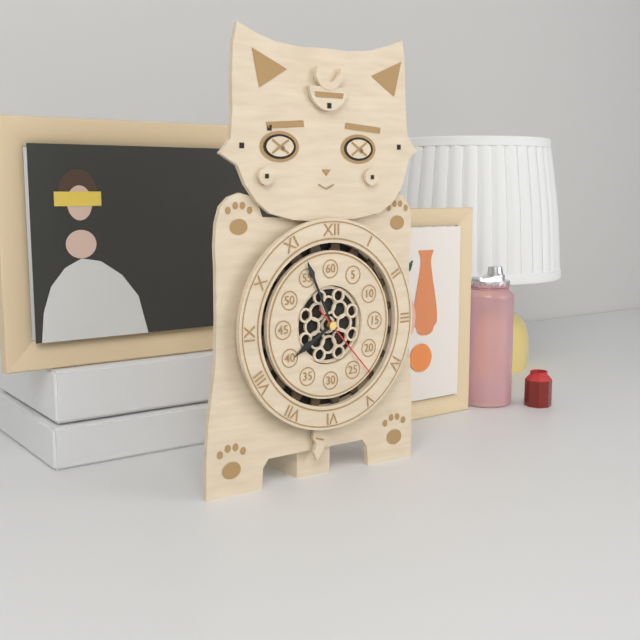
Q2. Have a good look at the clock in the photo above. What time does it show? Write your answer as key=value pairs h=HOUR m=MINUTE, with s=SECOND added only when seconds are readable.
h=7 m=56 s=23
